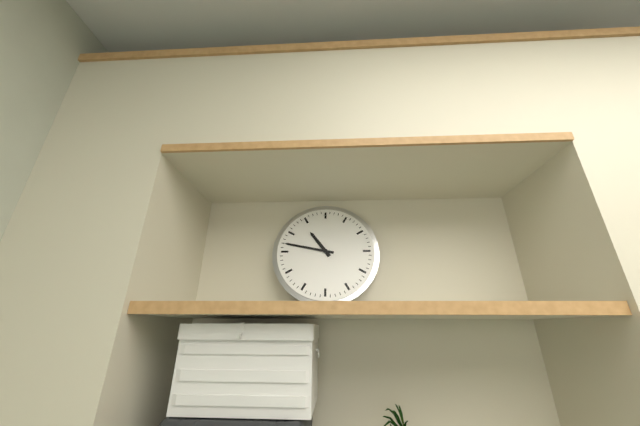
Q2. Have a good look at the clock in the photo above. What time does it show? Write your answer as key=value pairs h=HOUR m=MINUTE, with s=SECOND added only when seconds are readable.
h=10 m=47
